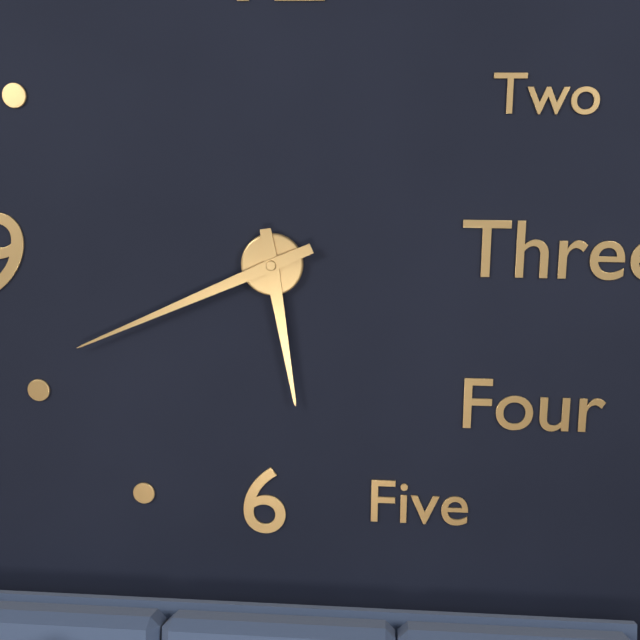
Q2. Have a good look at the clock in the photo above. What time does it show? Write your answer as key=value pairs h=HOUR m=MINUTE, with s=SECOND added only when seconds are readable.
h=5 m=41
